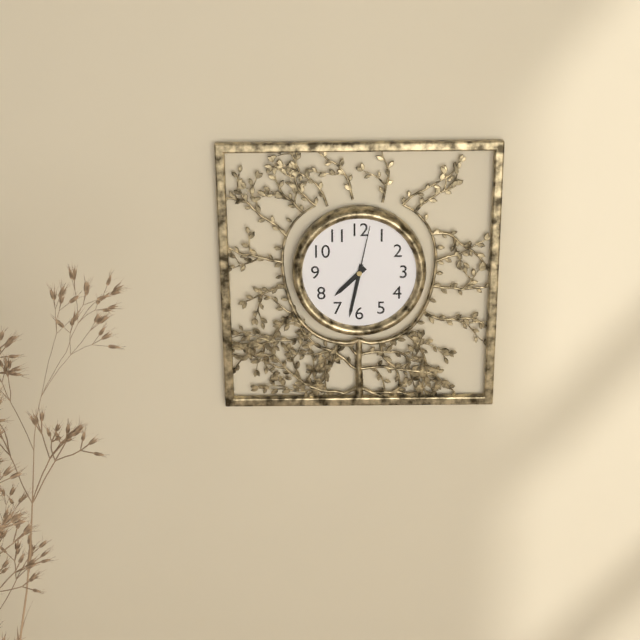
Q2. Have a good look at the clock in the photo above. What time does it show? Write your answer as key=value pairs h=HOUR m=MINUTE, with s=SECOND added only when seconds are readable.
h=7 m=32 s=2
